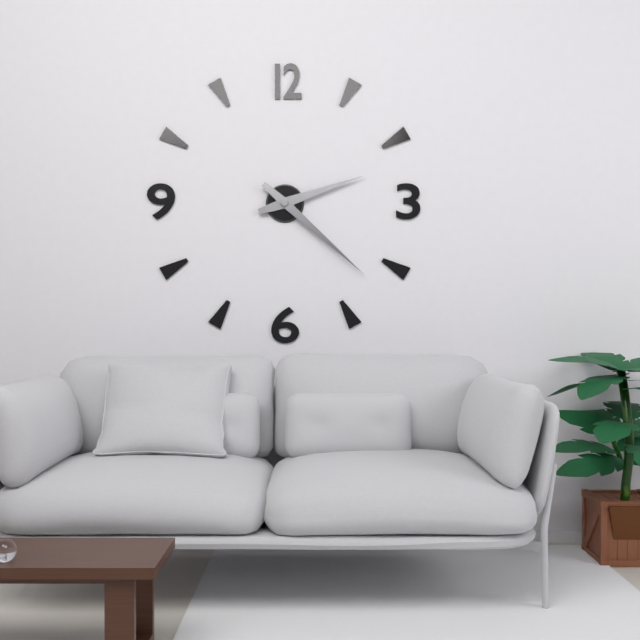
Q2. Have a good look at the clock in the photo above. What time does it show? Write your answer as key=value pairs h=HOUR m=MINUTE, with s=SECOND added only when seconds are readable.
h=2 m=22
